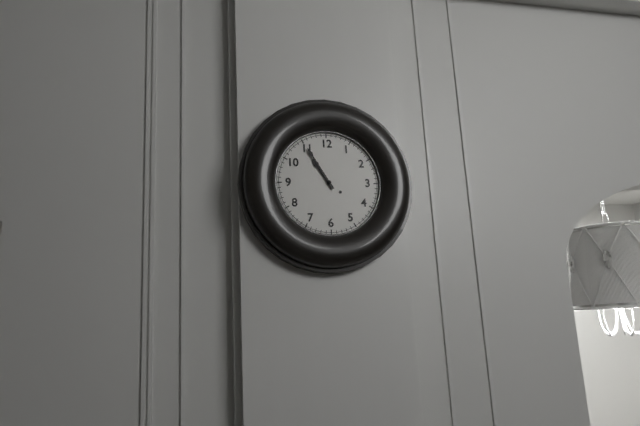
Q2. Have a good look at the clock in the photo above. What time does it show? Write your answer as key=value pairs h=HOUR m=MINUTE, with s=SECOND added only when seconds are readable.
h=10 m=55
